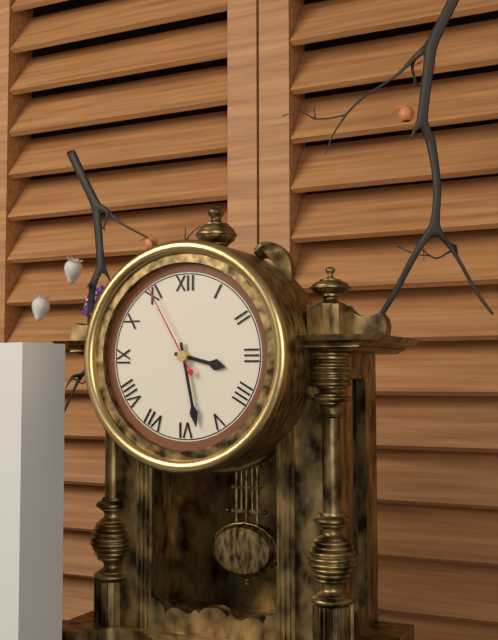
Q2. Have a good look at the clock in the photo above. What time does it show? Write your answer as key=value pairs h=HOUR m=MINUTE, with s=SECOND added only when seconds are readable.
h=3 m=28 s=55
